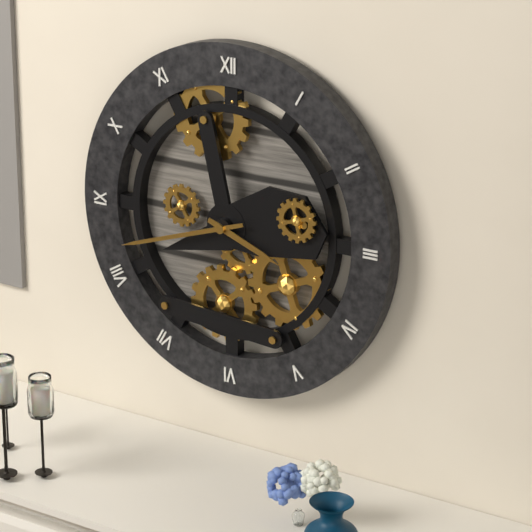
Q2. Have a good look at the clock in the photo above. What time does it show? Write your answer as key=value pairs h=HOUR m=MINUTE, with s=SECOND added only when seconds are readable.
h=3 m=42
